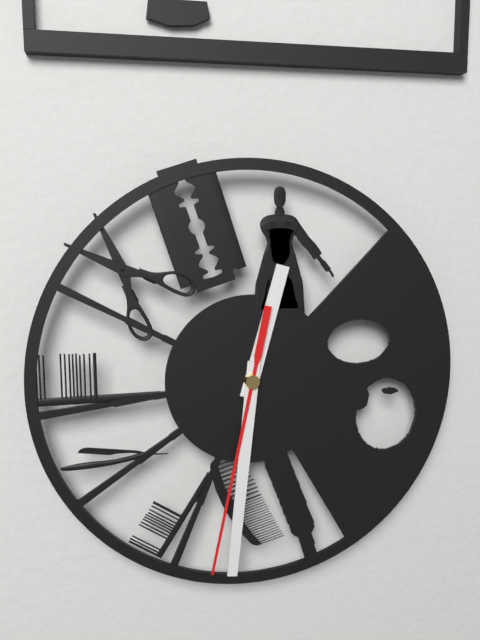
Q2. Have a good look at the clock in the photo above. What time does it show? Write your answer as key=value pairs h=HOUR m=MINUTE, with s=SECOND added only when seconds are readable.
h=12 m=31 s=32
